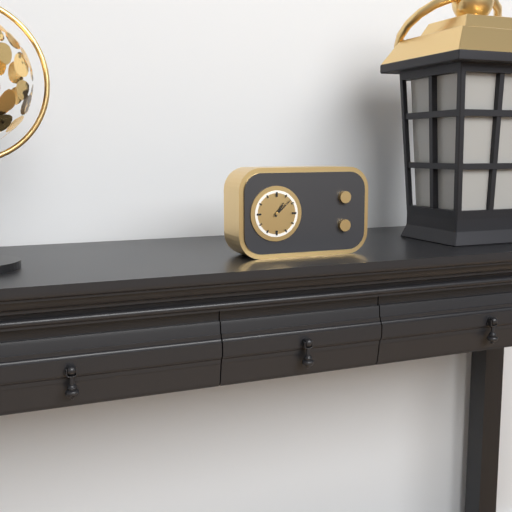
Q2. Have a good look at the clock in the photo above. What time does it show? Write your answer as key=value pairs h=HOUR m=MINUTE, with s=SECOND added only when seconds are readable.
h=1 m=8
